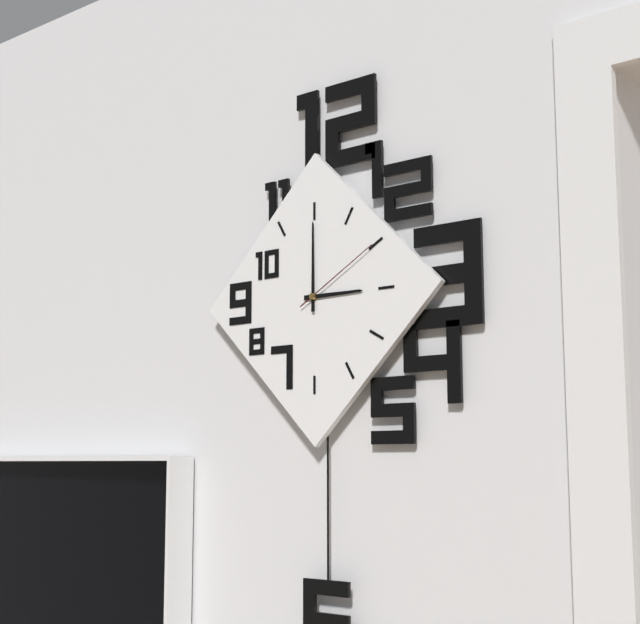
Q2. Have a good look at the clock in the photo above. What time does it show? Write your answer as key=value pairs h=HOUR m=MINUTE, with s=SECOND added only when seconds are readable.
h=3 m=0 s=10
